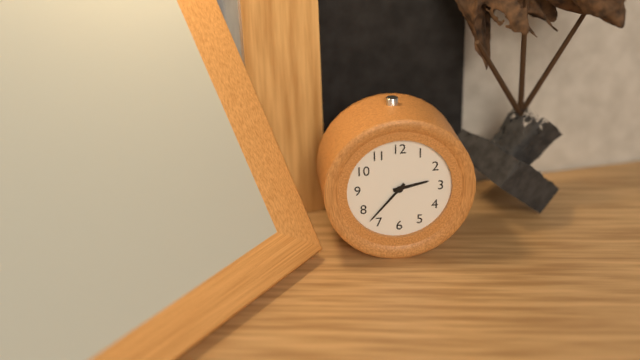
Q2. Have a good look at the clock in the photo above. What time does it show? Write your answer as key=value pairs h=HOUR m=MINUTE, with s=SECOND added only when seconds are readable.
h=2 m=37
